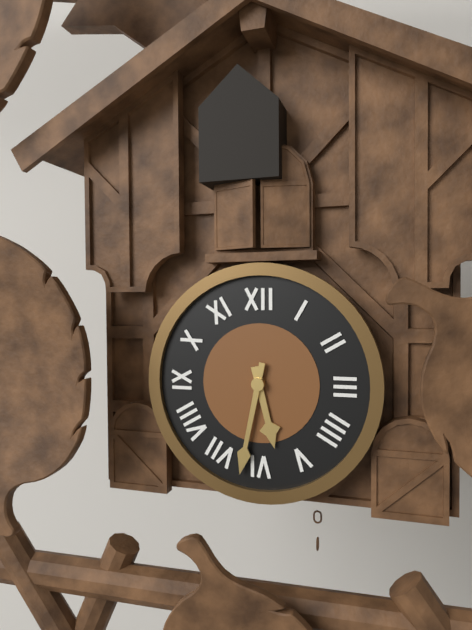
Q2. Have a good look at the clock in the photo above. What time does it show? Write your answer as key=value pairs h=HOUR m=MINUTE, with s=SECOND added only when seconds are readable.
h=5 m=32
